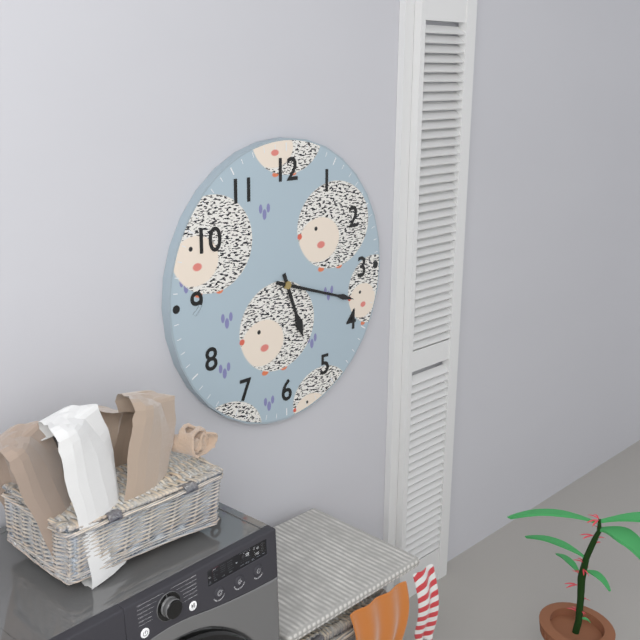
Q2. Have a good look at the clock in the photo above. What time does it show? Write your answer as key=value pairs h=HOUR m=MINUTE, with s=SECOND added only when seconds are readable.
h=5 m=18
